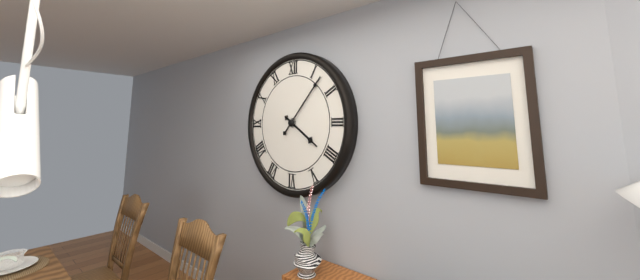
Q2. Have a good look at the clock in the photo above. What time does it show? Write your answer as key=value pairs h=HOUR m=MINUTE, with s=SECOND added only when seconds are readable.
h=4 m=7
